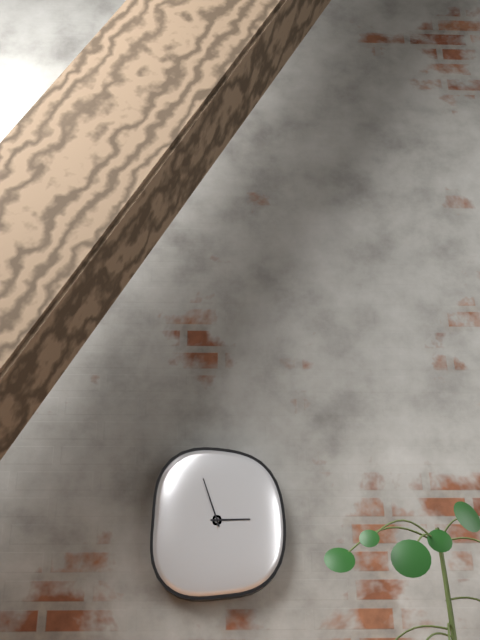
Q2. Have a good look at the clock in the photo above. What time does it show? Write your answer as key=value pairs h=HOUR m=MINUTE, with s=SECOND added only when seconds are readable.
h=2 m=57
